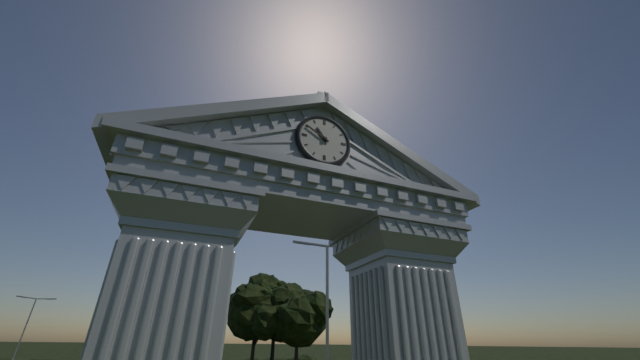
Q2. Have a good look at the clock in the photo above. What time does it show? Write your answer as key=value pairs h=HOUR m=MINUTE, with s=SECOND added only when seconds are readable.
h=10 m=50
